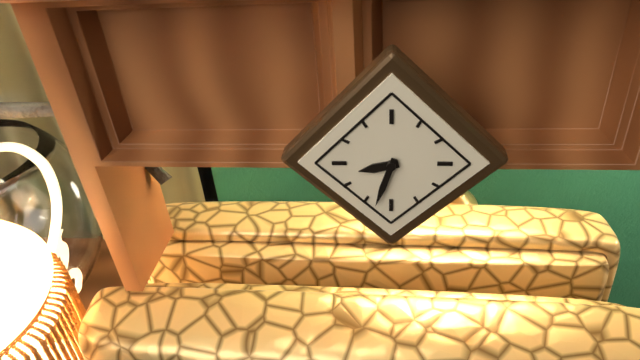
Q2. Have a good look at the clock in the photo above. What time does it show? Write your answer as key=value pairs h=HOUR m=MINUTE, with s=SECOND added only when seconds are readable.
h=8 m=33
